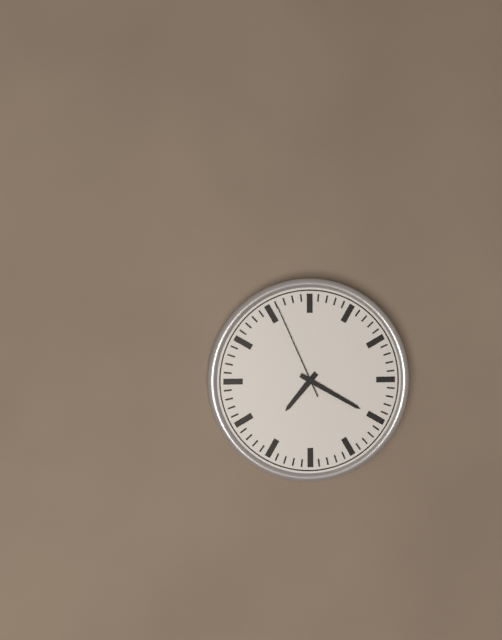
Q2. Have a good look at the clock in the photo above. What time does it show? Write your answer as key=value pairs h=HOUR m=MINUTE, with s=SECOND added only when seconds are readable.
h=7 m=20 s=56
